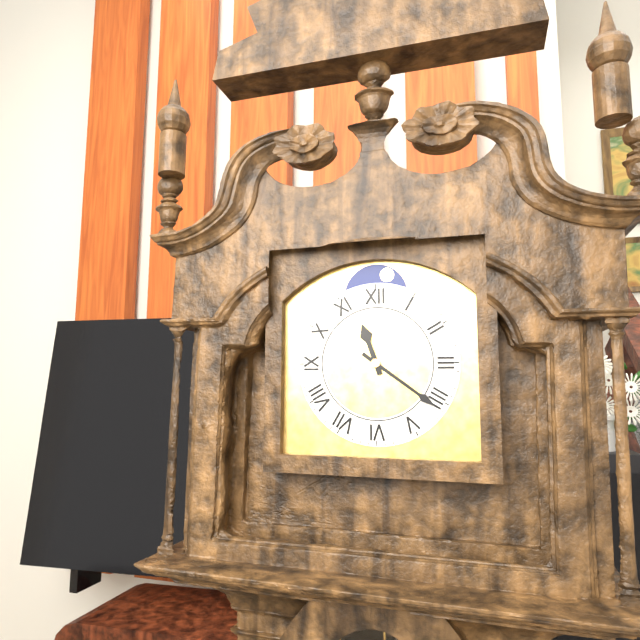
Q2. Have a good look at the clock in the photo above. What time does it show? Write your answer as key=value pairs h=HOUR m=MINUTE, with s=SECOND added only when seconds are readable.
h=11 m=21
